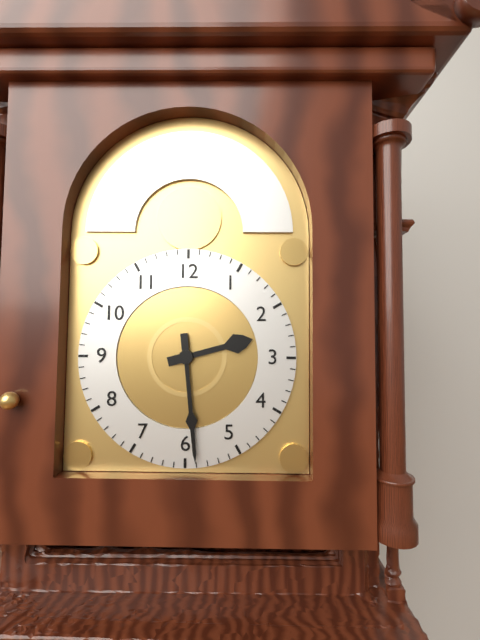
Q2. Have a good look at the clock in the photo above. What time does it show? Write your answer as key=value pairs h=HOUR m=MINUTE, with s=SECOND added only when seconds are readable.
h=2 m=29
